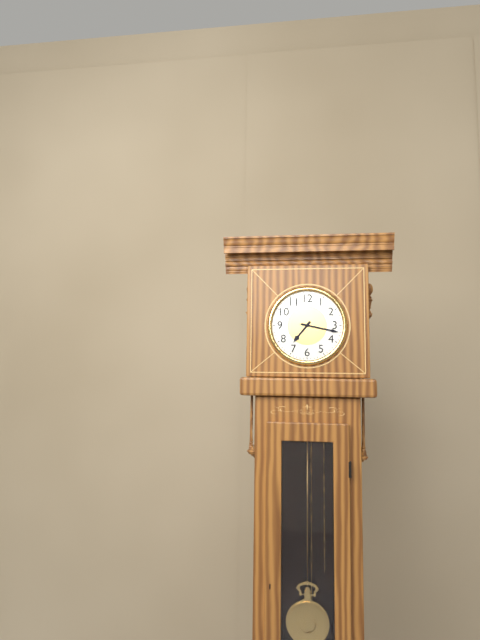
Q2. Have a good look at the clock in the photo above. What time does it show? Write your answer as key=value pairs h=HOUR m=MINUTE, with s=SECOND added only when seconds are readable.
h=7 m=17
